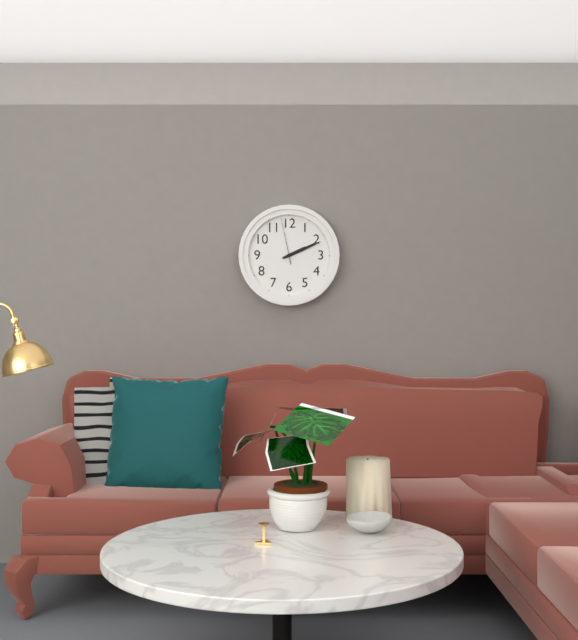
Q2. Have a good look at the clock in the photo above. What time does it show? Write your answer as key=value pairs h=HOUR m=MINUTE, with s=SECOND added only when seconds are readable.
h=2 m=11
